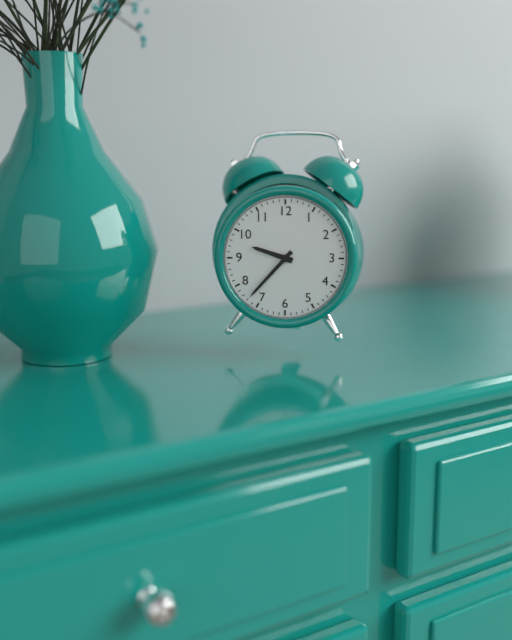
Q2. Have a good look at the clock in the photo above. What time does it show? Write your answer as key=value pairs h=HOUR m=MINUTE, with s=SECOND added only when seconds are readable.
h=9 m=37
